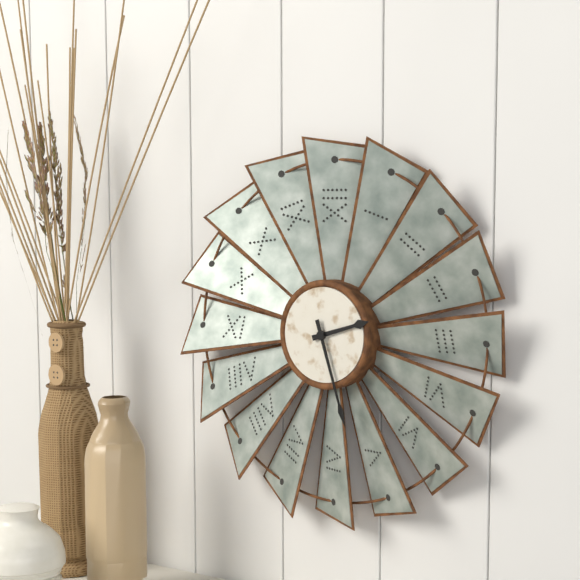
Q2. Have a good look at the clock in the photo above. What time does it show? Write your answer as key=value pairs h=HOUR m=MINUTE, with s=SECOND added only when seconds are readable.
h=2 m=27
